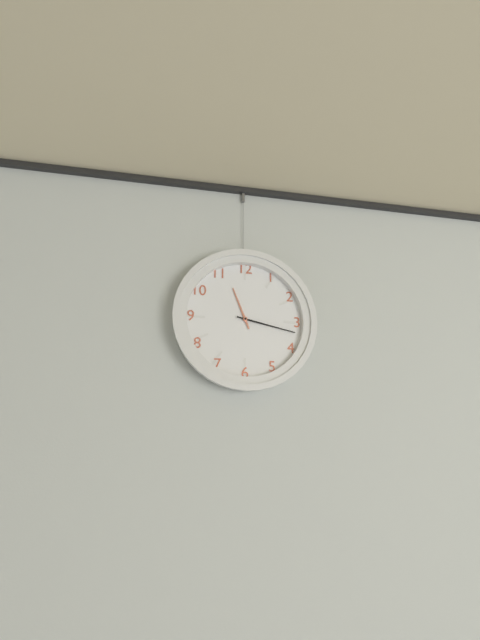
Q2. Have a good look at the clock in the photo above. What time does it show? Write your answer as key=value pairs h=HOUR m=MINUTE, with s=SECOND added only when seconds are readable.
h=11 m=17
